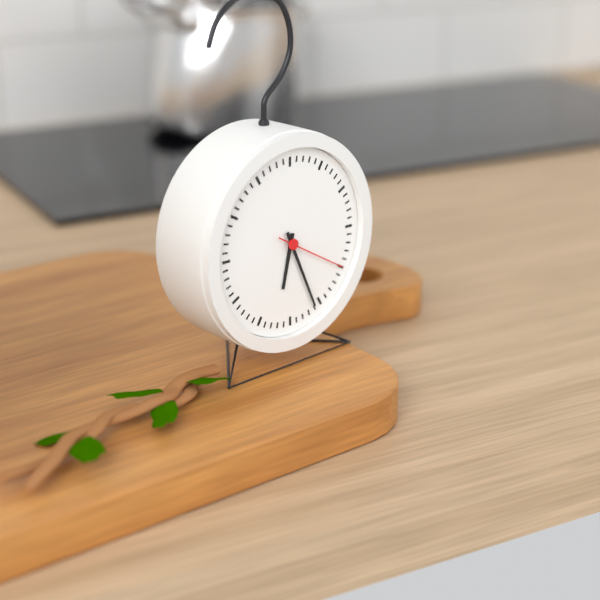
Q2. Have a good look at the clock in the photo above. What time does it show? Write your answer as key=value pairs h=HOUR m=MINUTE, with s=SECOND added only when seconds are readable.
h=6 m=26 s=20
